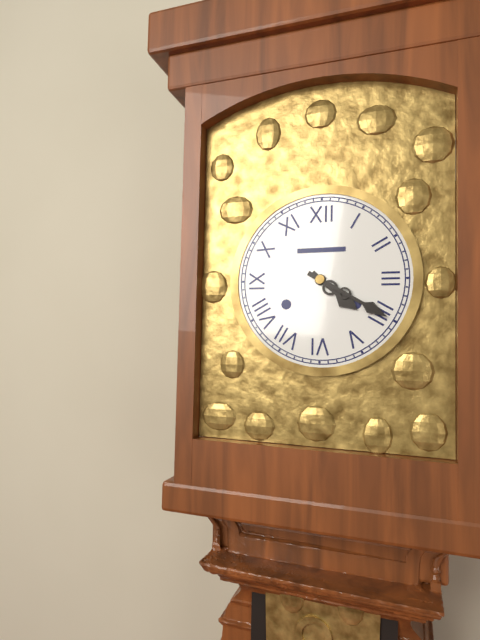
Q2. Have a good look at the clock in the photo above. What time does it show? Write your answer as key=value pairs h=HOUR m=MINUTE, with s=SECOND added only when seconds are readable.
h=4 m=20
